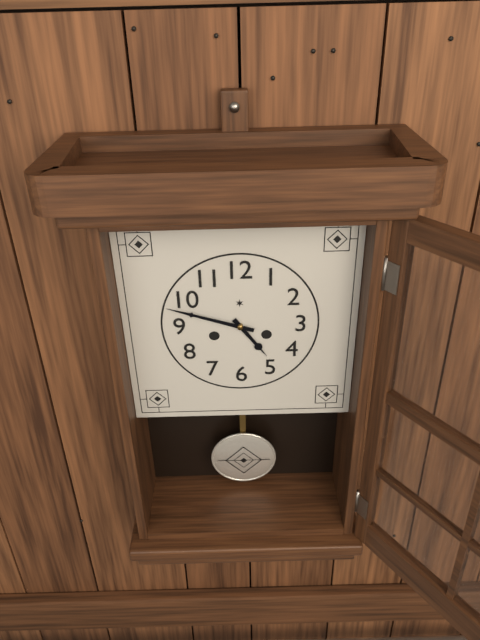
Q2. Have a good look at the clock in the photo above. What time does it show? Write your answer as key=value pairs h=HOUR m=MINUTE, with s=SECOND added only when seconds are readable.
h=4 m=48
